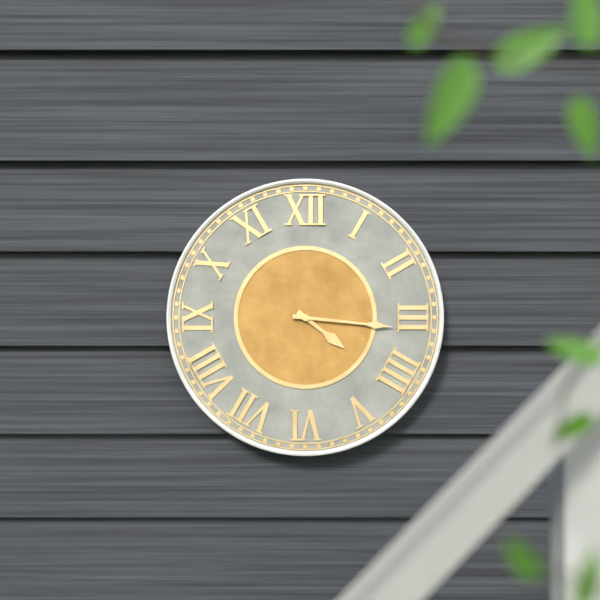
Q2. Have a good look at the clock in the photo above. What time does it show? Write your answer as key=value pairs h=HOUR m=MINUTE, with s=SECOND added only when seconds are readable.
h=4 m=16
